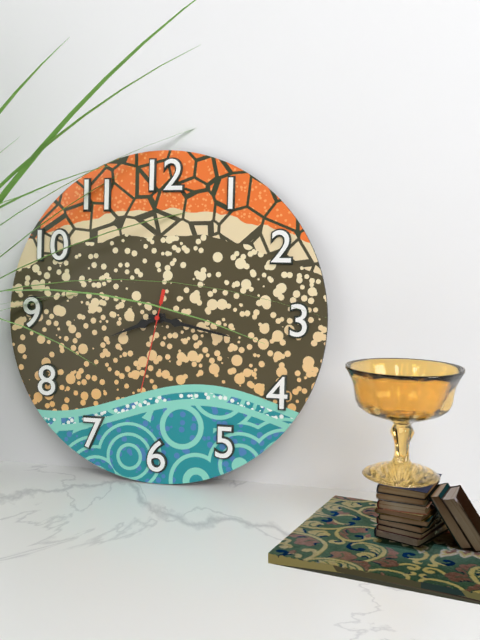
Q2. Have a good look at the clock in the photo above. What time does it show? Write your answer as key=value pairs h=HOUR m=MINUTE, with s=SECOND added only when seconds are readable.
h=8 m=17 s=32
